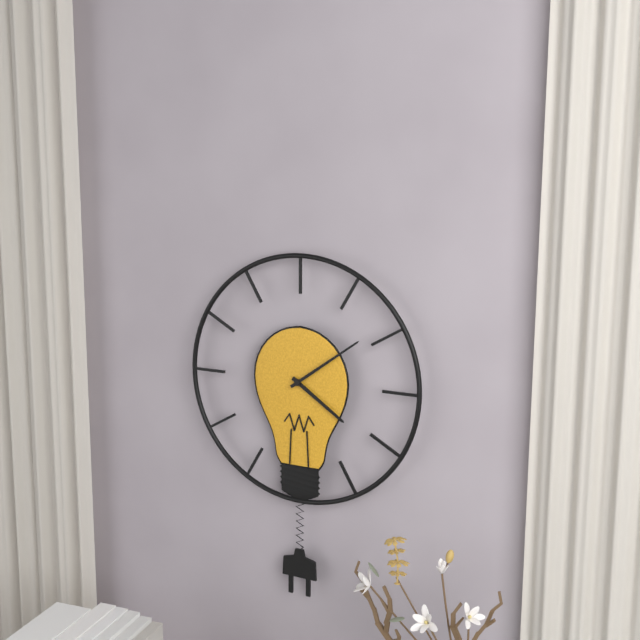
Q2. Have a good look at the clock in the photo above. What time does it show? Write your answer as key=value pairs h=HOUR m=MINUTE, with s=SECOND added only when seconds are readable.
h=4 m=9
